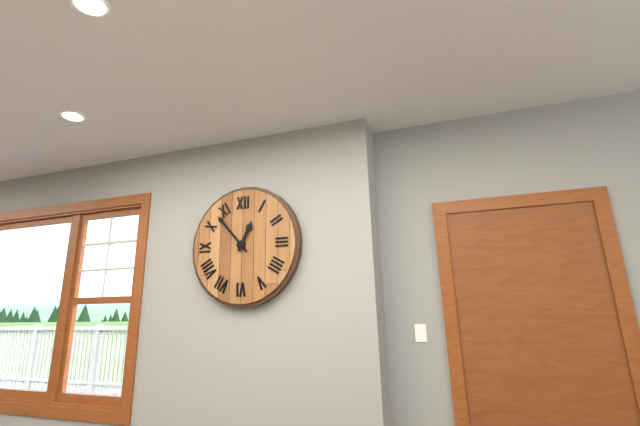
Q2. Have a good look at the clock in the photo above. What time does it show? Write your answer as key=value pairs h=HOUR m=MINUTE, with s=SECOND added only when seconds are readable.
h=12 m=53
